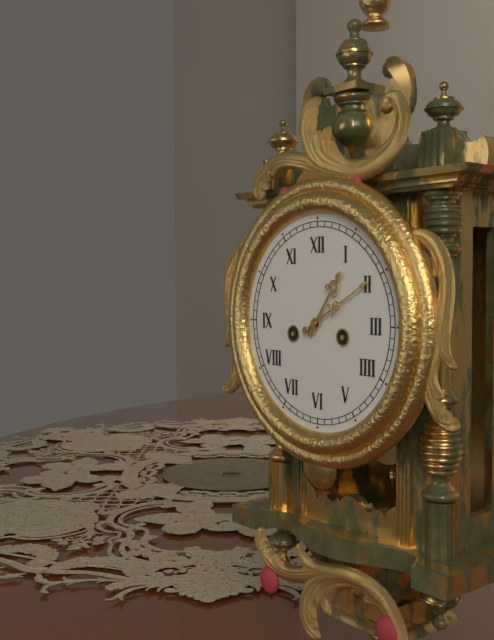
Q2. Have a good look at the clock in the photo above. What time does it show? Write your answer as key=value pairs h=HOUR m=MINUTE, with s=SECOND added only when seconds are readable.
h=1 m=10
